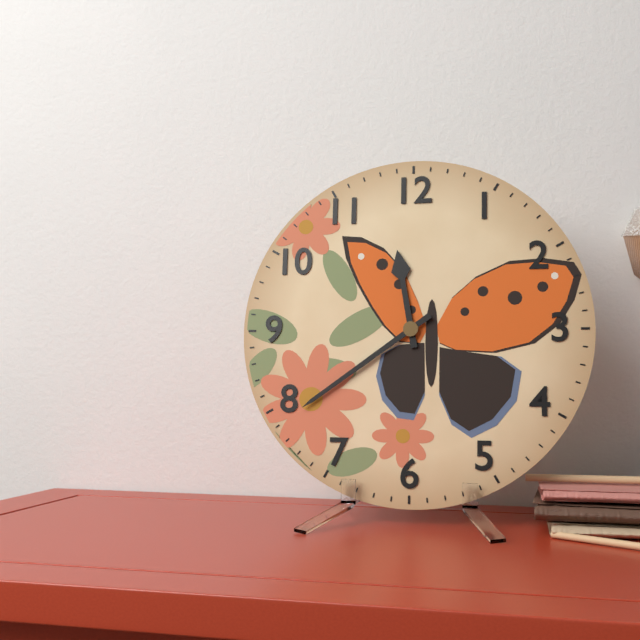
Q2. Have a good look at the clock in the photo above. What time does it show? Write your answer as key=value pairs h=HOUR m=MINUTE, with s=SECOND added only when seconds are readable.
h=11 m=39
